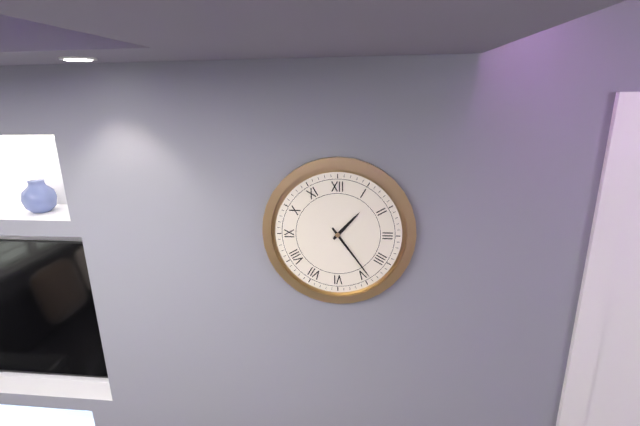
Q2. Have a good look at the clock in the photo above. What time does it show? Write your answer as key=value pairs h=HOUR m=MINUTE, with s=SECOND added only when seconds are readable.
h=1 m=24
